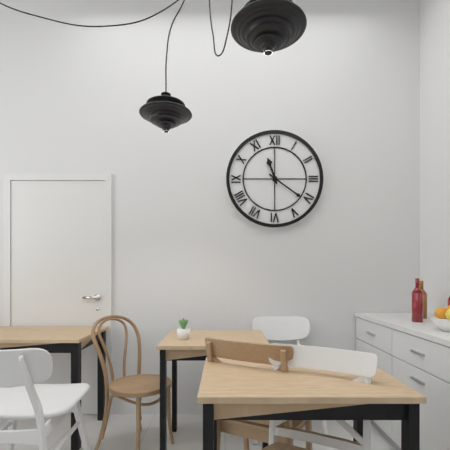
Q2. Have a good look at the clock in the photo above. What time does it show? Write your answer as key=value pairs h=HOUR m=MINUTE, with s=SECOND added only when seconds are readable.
h=11 m=21
